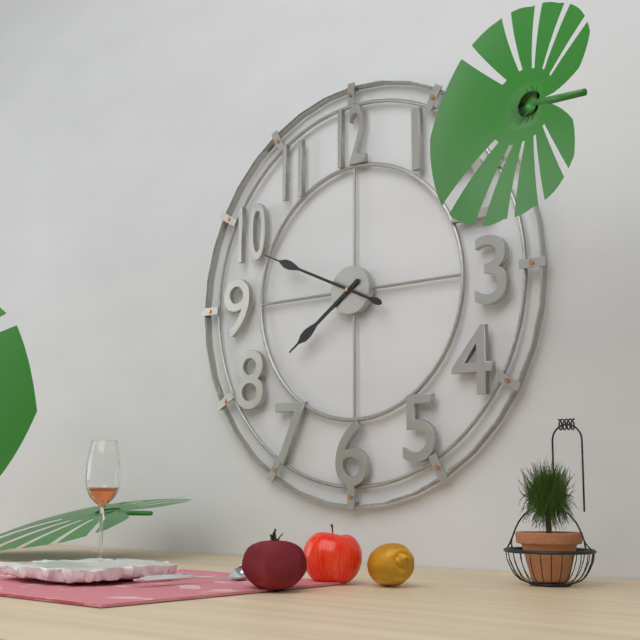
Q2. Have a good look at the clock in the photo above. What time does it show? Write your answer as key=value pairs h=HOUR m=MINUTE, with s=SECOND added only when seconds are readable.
h=7 m=49
